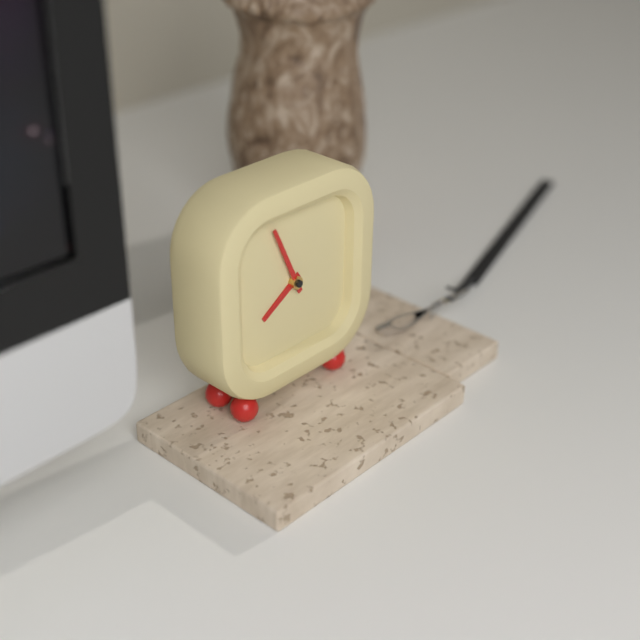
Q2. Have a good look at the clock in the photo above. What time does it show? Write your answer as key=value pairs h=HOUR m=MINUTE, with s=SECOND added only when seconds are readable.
h=7 m=56
